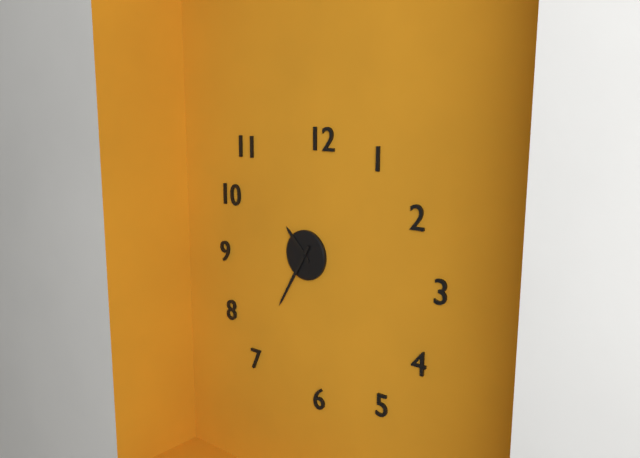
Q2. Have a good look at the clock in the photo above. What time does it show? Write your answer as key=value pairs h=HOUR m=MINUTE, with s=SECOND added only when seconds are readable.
h=10 m=35
